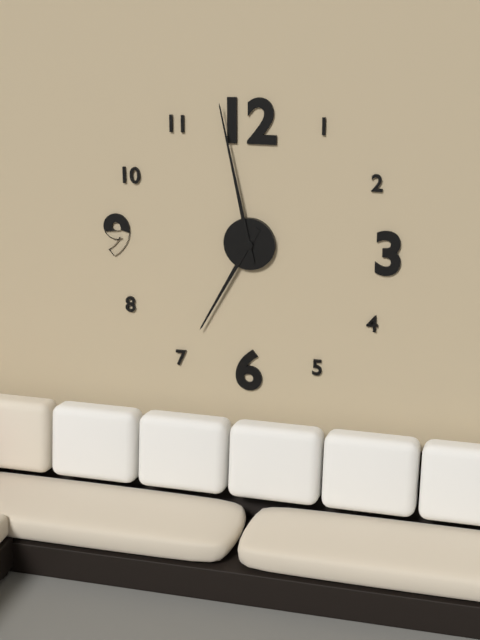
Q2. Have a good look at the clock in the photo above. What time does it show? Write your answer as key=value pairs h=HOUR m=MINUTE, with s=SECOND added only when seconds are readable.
h=6 m=58
